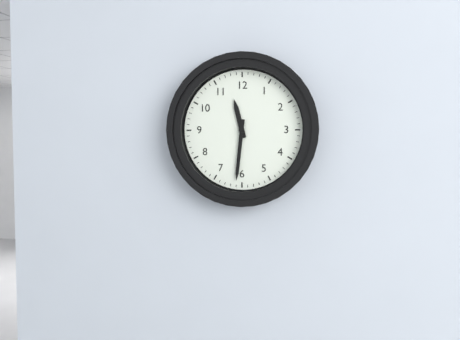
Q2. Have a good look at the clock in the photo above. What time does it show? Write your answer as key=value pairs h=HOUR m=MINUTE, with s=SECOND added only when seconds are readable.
h=11 m=31
